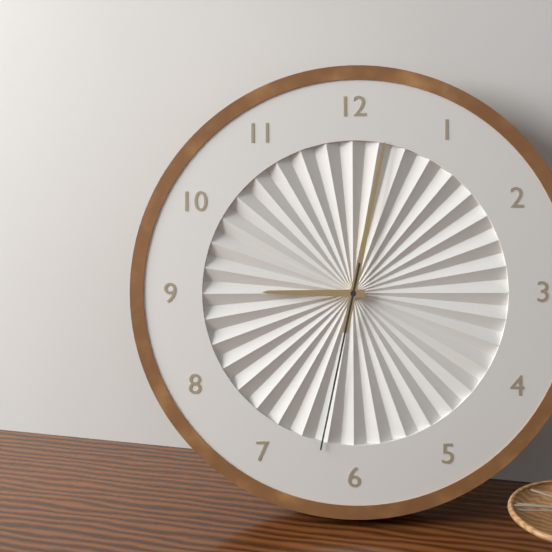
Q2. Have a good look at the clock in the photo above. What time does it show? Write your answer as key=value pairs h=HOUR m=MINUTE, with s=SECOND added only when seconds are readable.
h=9 m=2 s=32
